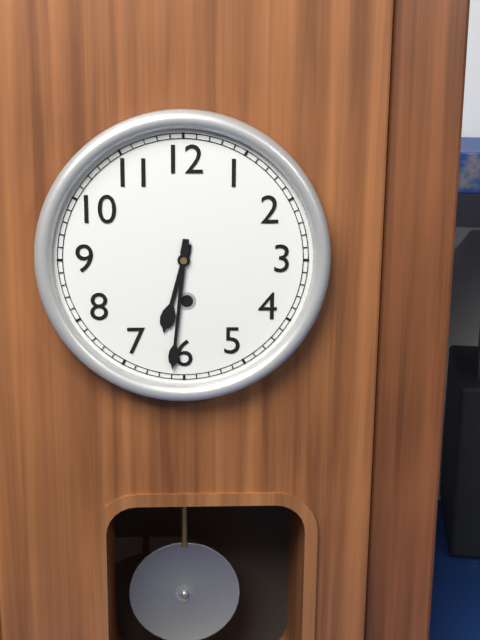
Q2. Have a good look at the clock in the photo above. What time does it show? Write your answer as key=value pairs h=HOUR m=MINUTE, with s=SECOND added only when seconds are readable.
h=6 m=31
